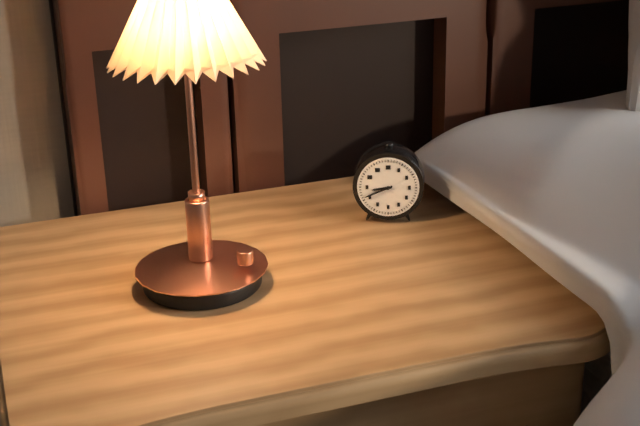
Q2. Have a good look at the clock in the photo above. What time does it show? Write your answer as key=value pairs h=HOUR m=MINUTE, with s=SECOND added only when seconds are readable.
h=8 m=41
